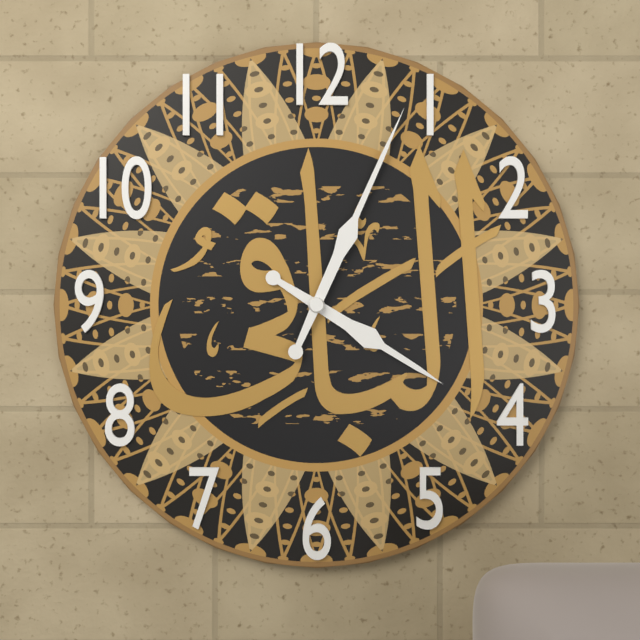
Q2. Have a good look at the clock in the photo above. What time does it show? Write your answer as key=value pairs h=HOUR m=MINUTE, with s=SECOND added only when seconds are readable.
h=4 m=4
